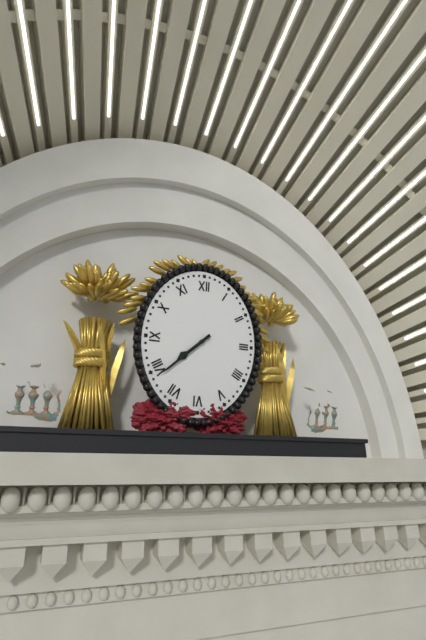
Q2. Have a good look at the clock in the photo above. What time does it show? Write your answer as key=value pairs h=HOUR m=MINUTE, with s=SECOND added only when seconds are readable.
h=7 m=38
